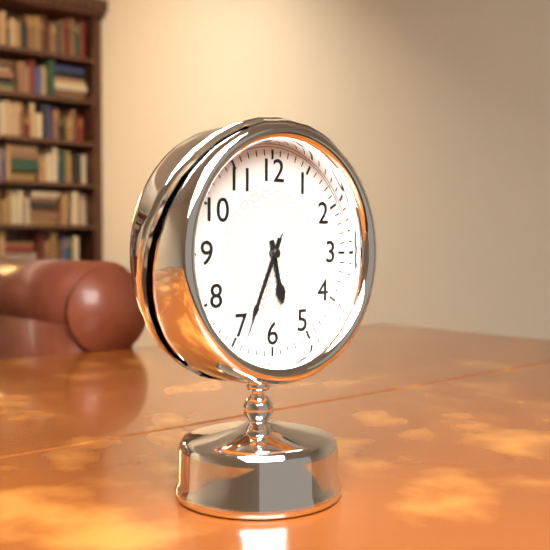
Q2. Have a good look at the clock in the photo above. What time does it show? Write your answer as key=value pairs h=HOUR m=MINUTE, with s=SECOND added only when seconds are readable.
h=5 m=34 s=34
